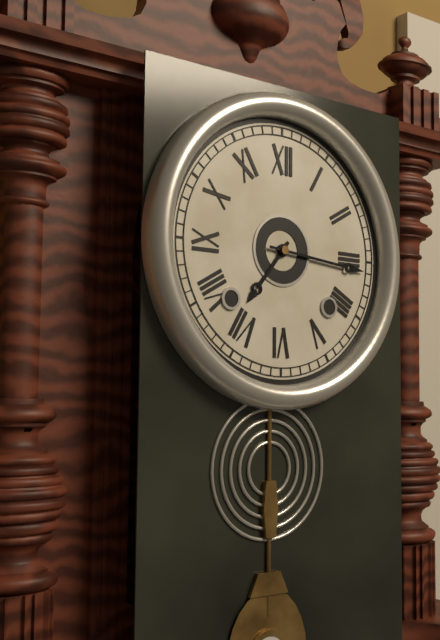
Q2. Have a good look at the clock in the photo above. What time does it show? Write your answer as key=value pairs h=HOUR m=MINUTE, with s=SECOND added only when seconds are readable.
h=7 m=16
